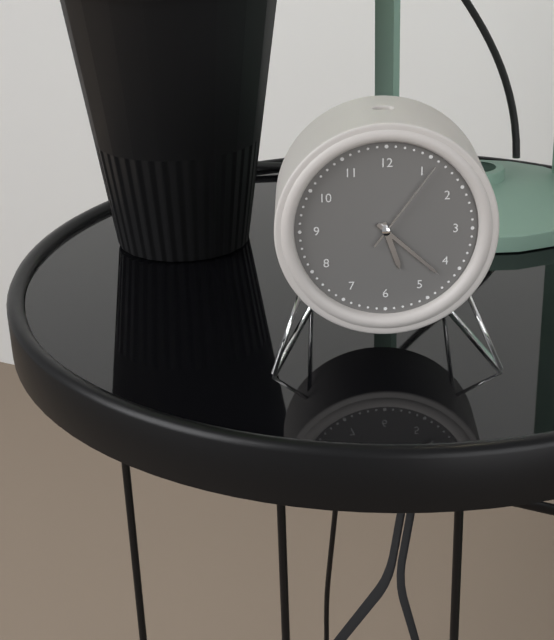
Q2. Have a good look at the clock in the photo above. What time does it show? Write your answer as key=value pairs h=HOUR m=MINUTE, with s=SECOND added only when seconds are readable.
h=5 m=22 s=6
